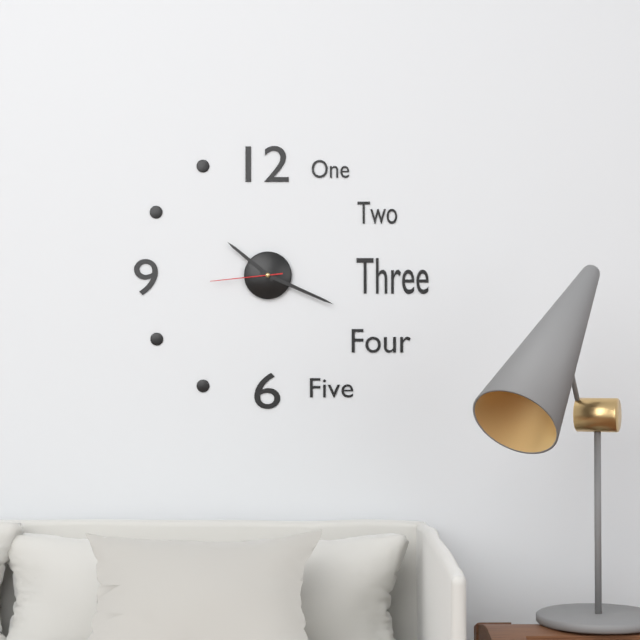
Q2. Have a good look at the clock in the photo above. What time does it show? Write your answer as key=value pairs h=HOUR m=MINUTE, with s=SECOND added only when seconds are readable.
h=10 m=19 s=44
